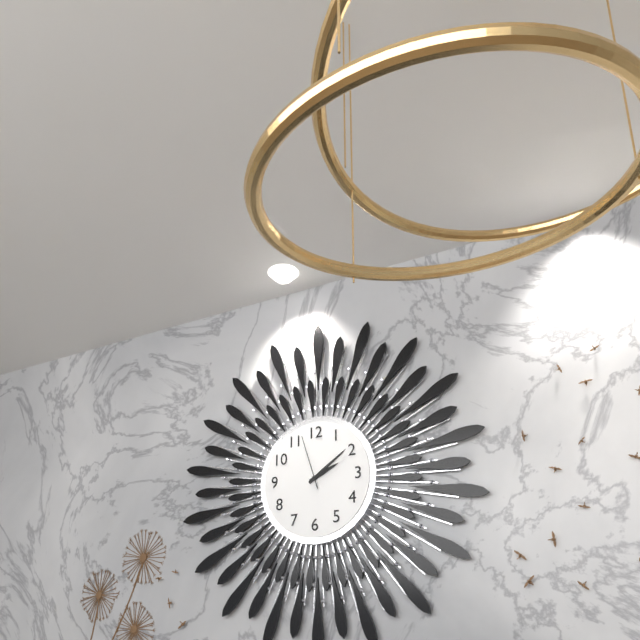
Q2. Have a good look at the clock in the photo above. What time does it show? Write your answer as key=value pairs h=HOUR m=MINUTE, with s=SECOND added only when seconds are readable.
h=2 m=9 s=57
